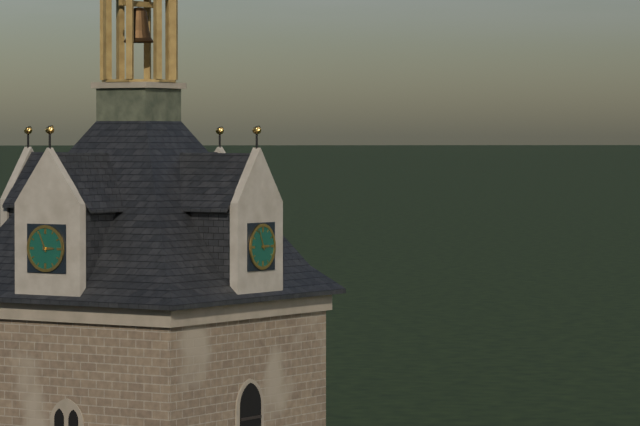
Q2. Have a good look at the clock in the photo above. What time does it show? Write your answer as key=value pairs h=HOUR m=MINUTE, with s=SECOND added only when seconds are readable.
h=2 m=56
